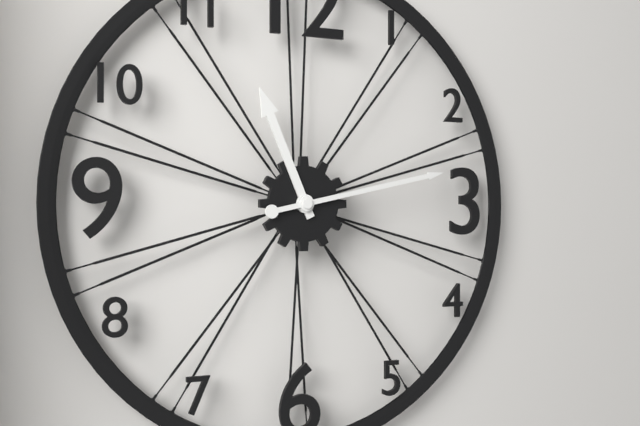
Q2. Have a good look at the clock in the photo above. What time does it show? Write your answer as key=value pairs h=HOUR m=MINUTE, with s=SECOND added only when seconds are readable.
h=11 m=13
